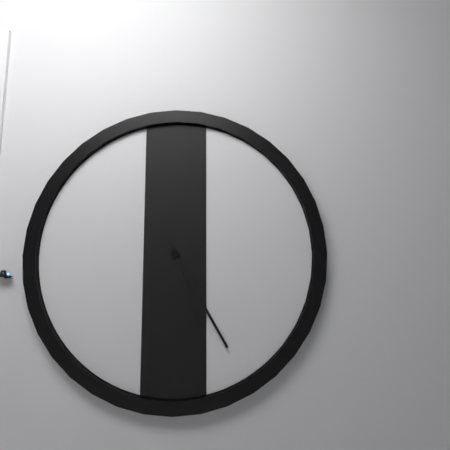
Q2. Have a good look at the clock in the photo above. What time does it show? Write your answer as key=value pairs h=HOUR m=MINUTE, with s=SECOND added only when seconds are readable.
h=5 m=25
